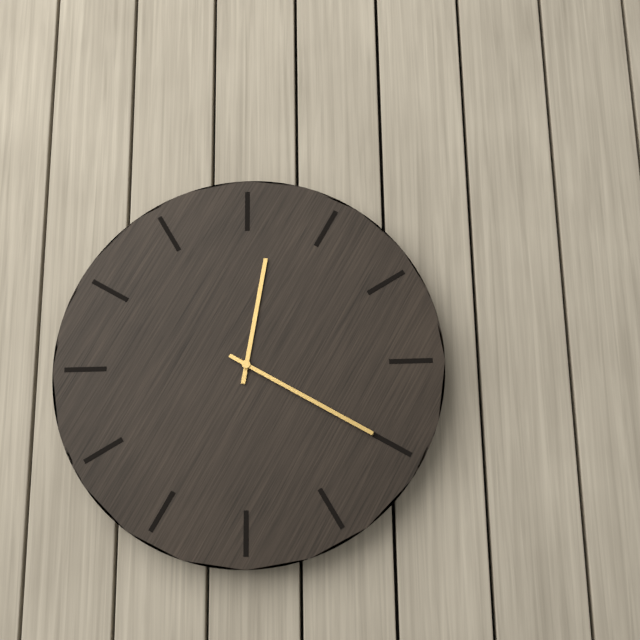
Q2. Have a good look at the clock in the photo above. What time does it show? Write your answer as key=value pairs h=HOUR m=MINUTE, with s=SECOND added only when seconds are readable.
h=12 m=20
